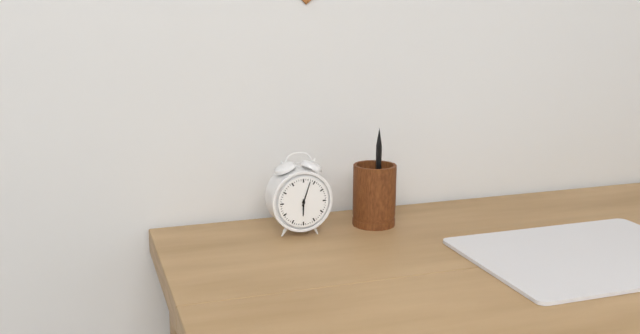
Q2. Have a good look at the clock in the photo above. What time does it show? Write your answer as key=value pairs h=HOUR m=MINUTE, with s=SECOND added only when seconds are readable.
h=6 m=3
